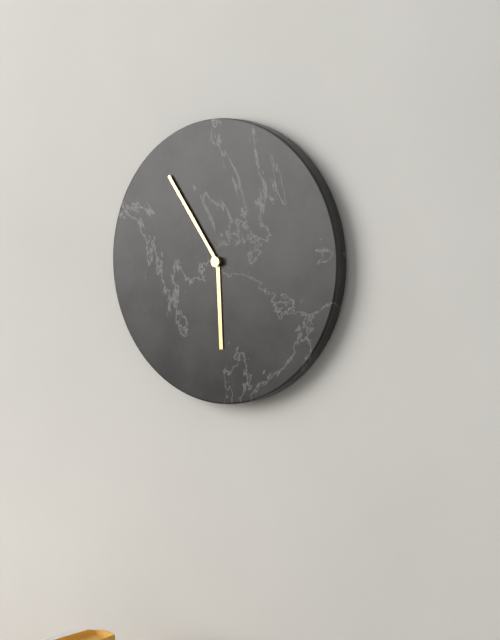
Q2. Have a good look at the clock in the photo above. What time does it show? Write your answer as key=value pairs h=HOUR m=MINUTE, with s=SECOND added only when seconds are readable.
h=5 m=54
